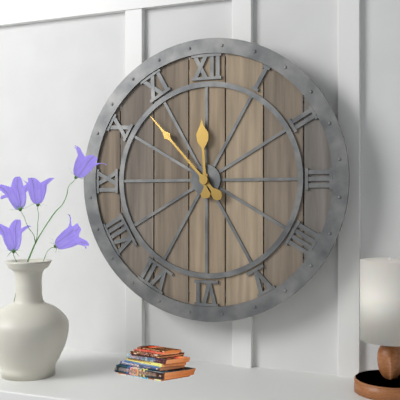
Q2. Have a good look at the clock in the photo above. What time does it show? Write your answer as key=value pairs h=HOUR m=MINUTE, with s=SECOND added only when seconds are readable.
h=11 m=53
